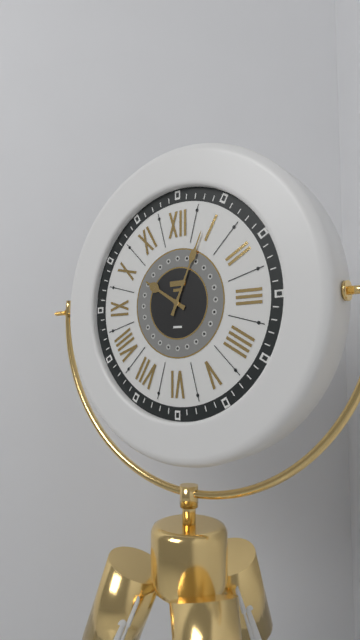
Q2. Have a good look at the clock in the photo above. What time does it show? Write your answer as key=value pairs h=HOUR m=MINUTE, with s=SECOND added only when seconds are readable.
h=10 m=4
